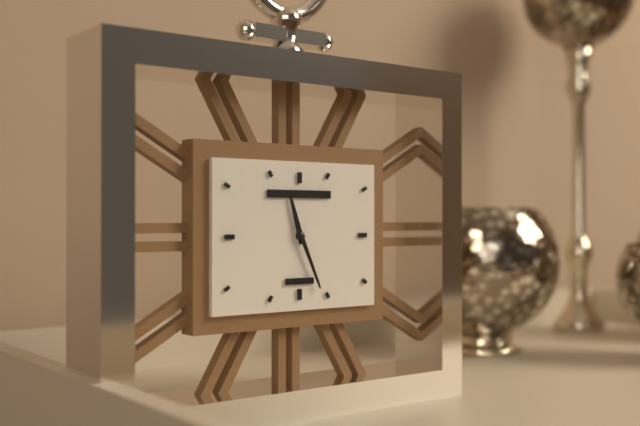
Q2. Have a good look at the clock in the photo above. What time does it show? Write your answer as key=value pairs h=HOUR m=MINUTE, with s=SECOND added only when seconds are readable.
h=11 m=26
